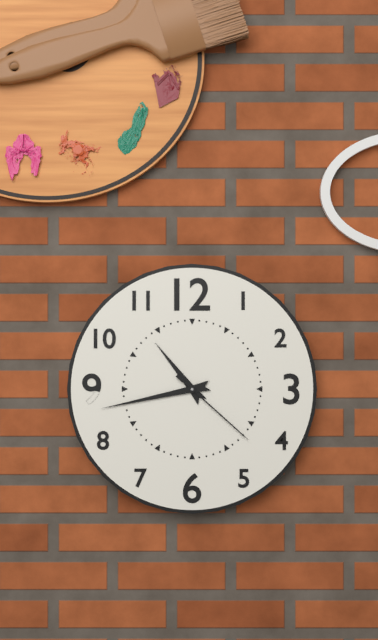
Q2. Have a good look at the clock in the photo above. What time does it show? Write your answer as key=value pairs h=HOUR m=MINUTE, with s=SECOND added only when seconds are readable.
h=10 m=43 s=22
